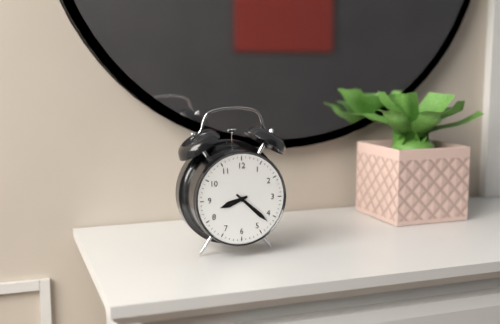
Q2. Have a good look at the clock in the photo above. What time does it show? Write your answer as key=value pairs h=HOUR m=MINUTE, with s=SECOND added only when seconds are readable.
h=8 m=22
